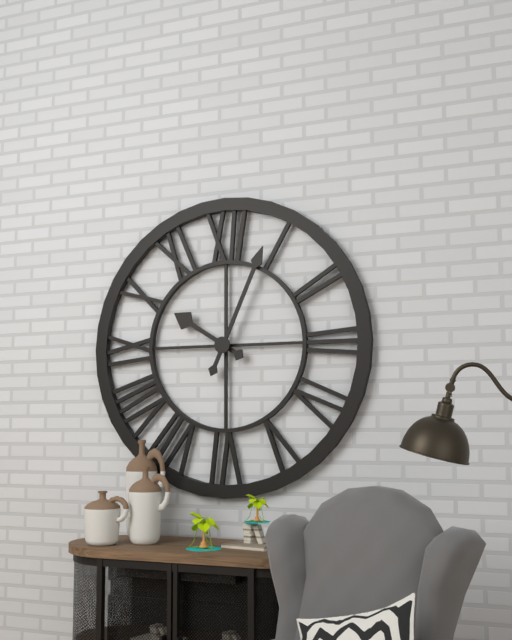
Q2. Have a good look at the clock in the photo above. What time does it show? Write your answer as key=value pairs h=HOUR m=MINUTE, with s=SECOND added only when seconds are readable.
h=10 m=4
